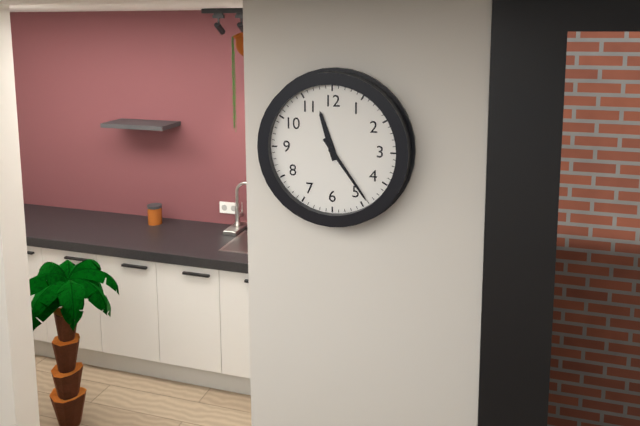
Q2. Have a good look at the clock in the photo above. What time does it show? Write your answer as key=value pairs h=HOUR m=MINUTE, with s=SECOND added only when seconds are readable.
h=11 m=24
